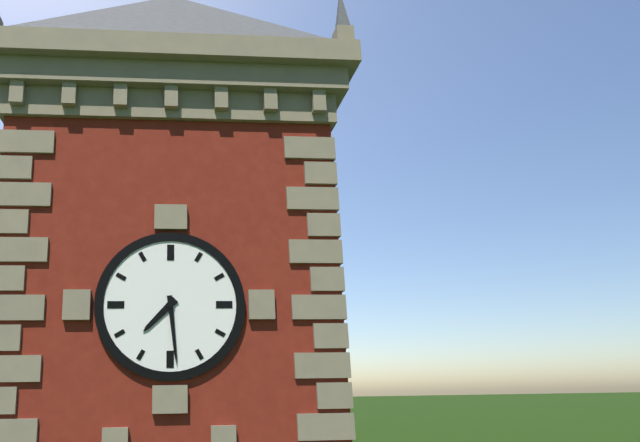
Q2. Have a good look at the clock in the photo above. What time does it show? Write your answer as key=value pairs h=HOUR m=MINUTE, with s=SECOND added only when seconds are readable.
h=7 m=29
